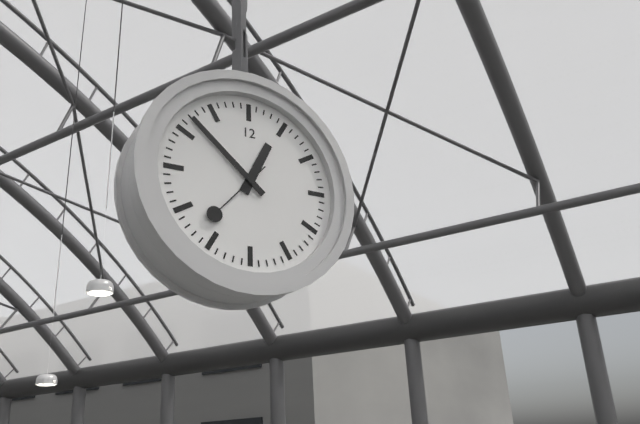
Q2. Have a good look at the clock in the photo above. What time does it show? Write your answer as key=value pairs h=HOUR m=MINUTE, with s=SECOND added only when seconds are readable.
h=12 m=52 s=37
